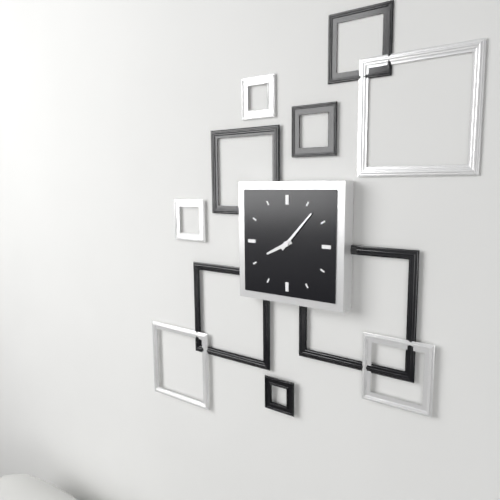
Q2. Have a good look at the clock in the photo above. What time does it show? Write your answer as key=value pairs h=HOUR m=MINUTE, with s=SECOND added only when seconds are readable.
h=8 m=7
